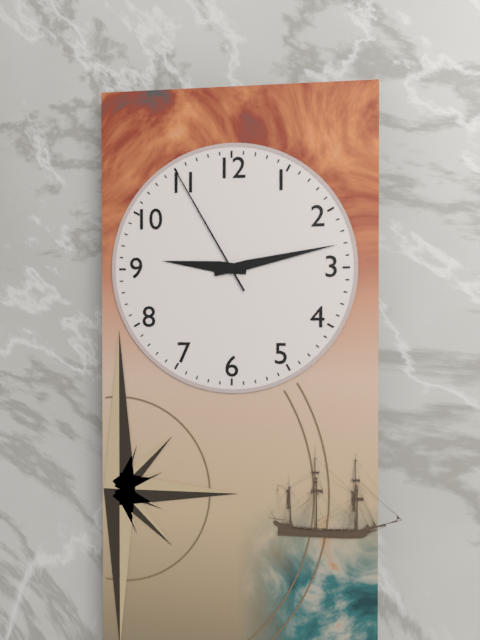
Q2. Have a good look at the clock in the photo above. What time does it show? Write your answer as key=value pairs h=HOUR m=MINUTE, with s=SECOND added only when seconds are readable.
h=9 m=13 s=55
